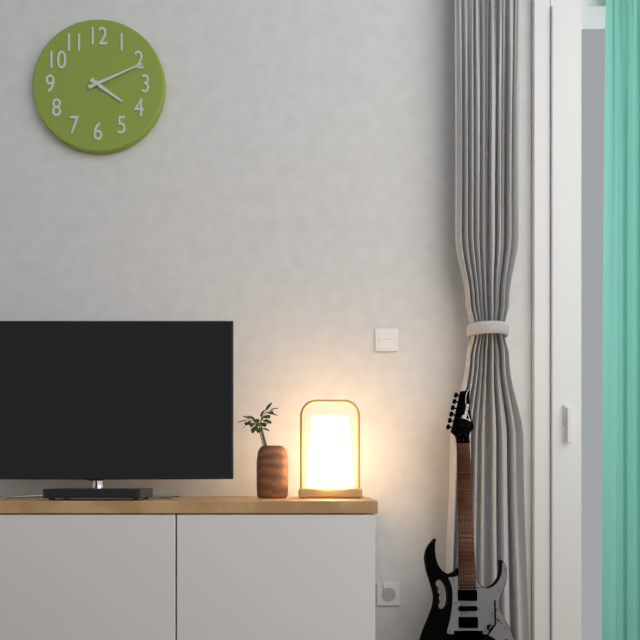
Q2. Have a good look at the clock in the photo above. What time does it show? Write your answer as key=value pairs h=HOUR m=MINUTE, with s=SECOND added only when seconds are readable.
h=4 m=11
